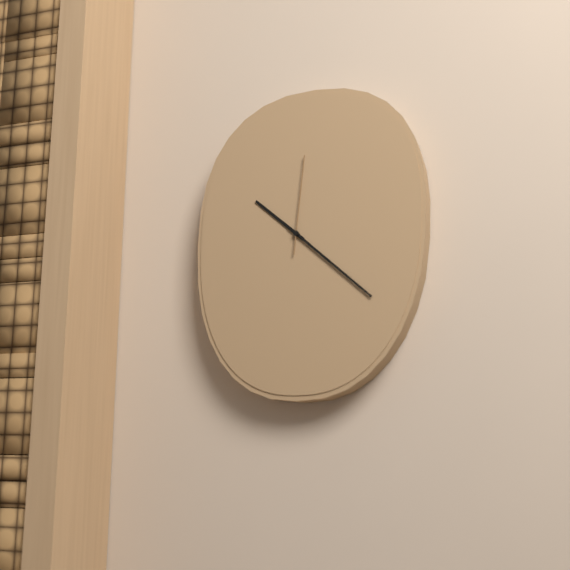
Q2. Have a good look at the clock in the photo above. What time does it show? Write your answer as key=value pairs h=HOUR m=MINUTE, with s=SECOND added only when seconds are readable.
h=10 m=22 s=1
